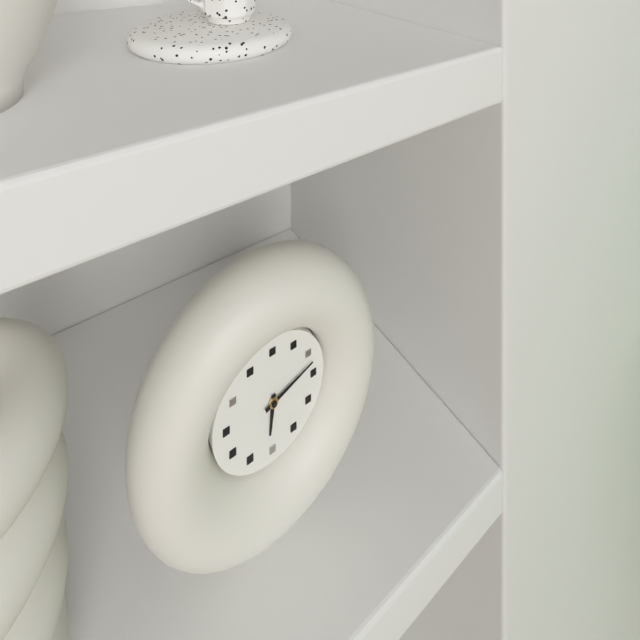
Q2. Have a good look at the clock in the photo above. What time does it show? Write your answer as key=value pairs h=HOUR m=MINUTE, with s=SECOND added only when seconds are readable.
h=6 m=12
